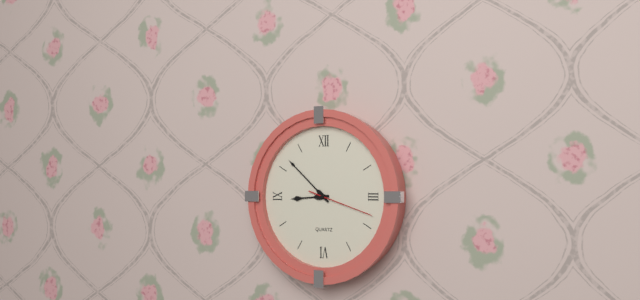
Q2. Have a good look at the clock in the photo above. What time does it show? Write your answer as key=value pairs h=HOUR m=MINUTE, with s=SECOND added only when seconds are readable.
h=8 m=52 s=18
